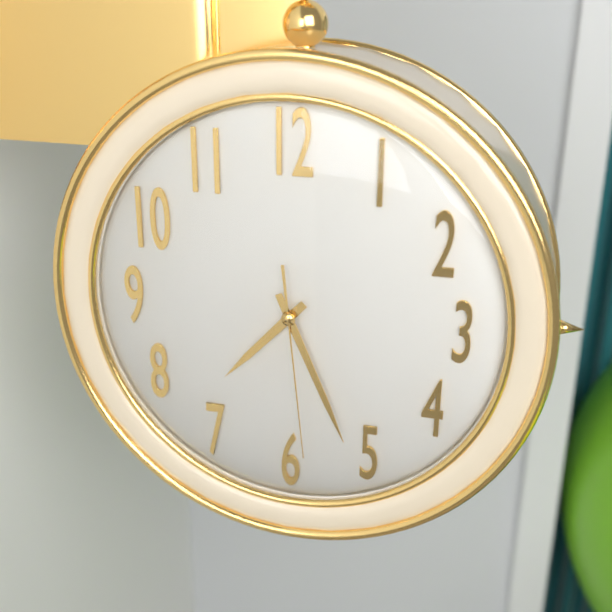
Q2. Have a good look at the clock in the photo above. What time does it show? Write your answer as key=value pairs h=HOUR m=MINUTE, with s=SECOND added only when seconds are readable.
h=7 m=26 s=29
